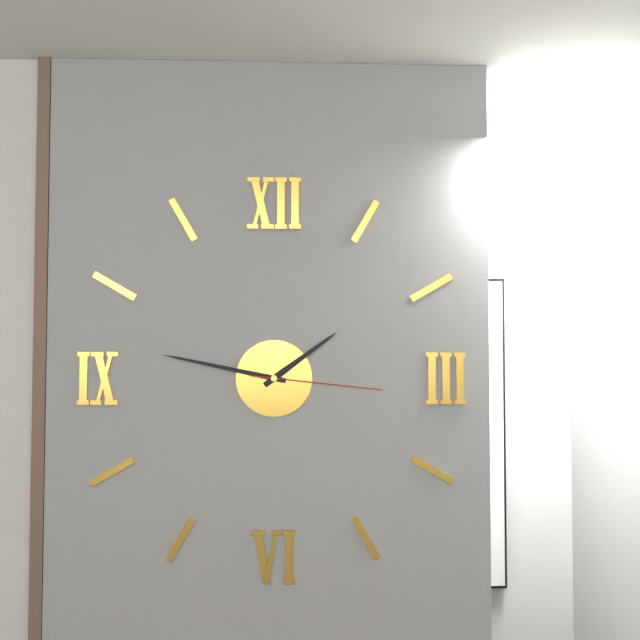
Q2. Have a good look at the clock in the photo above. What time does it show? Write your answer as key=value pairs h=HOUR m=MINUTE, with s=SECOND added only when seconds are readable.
h=1 m=47 s=16
